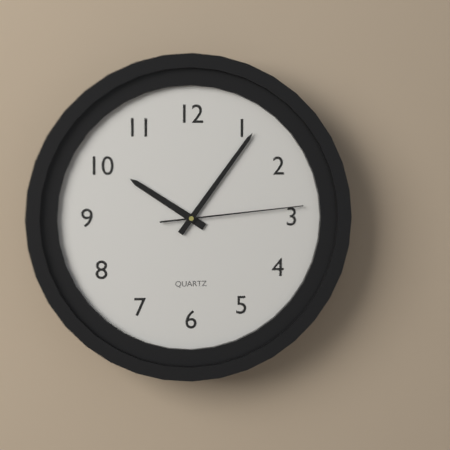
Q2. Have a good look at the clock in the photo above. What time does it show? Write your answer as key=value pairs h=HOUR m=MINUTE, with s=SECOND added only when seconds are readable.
h=10 m=6 s=14
